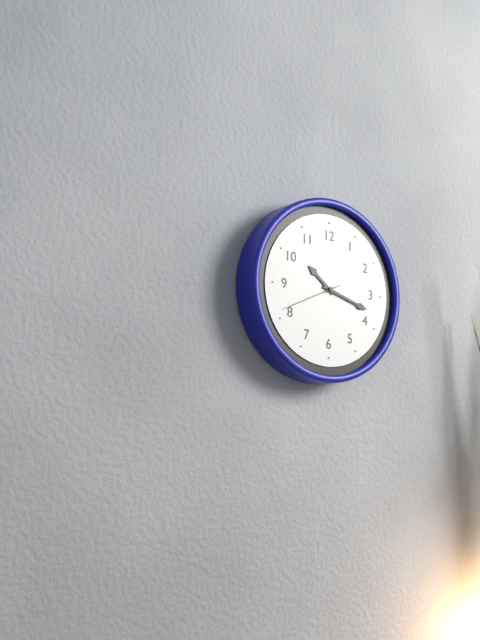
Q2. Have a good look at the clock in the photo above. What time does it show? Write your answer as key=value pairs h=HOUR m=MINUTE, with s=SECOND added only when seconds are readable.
h=10 m=18 s=41
